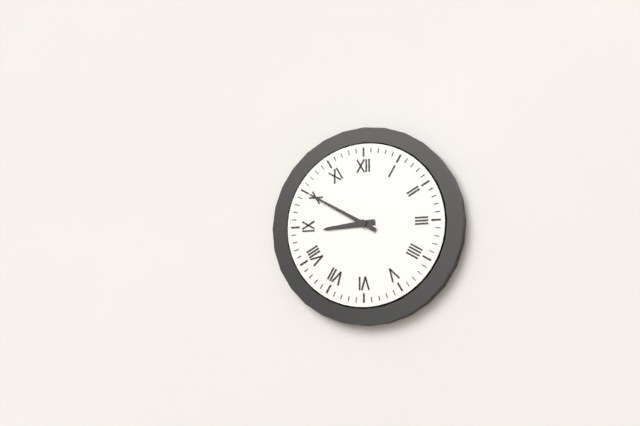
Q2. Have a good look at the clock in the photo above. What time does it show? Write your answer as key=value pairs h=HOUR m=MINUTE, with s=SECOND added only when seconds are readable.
h=8 m=50
